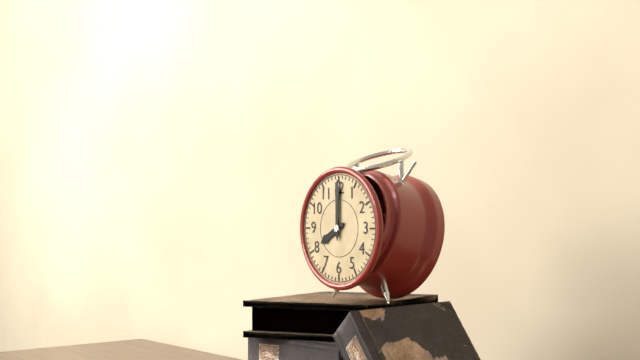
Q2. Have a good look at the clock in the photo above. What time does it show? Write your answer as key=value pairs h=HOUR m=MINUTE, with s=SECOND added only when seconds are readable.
h=8 m=0
